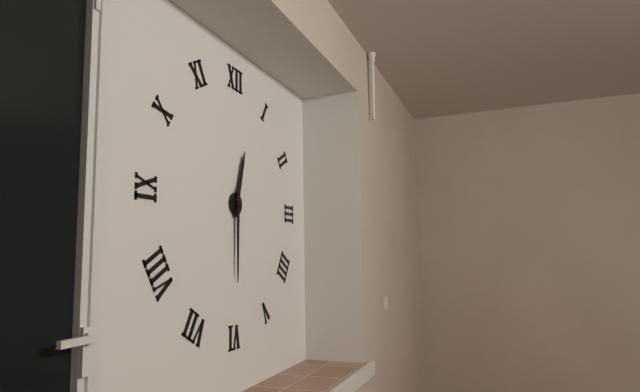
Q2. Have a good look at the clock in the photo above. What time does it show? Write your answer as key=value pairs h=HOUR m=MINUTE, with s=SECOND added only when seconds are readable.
h=12 m=30
